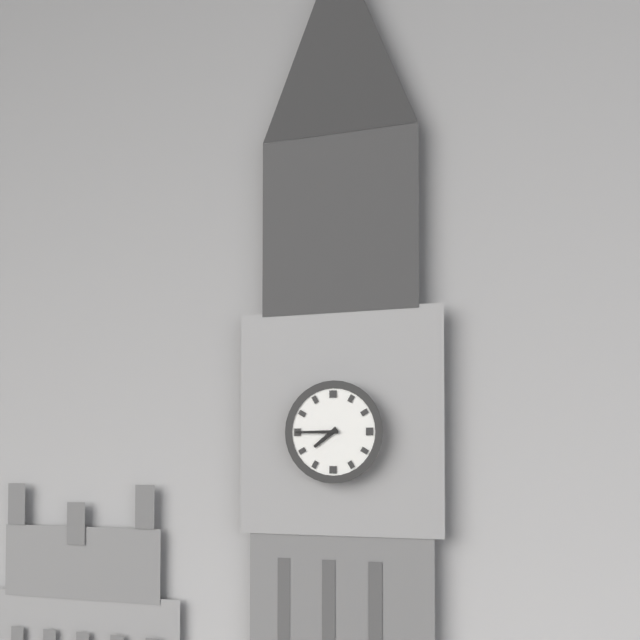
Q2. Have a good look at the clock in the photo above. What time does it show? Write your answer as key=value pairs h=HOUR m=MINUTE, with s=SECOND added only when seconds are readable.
h=7 m=45
